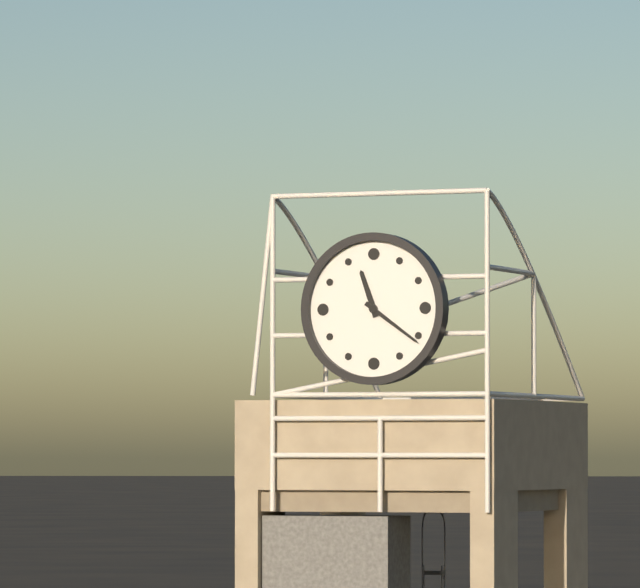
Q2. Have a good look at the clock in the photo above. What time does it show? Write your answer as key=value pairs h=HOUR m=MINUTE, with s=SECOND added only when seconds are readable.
h=11 m=21
